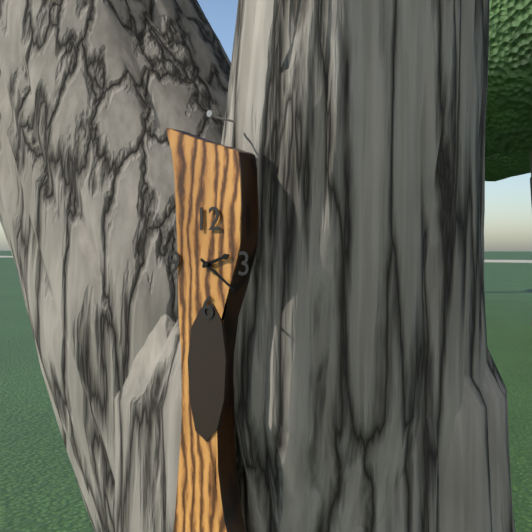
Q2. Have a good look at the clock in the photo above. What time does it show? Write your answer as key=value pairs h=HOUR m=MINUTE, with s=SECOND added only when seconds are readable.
h=2 m=21
